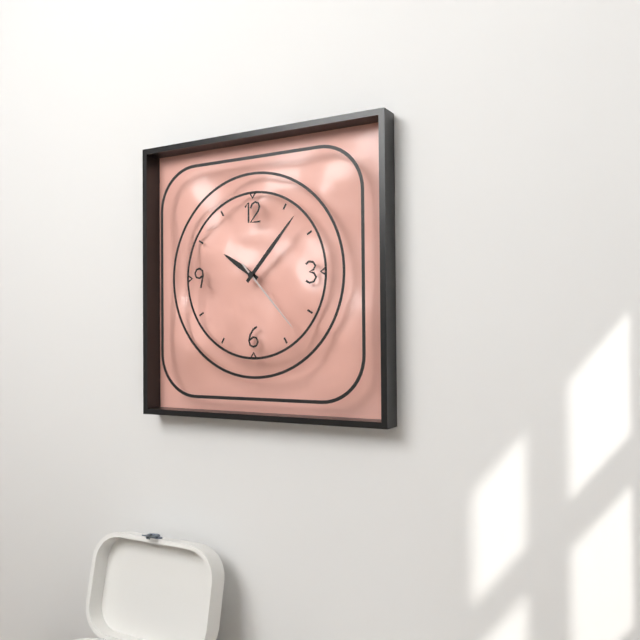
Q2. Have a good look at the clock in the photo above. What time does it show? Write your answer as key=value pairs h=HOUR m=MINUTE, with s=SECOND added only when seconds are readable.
h=10 m=7 s=23
